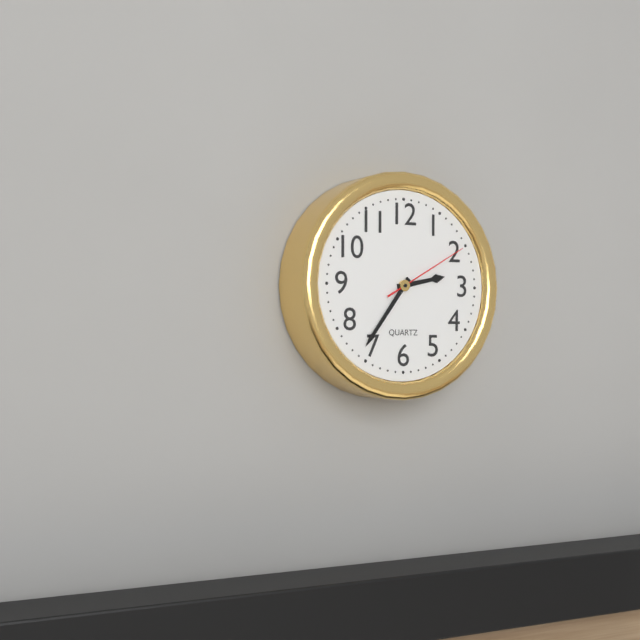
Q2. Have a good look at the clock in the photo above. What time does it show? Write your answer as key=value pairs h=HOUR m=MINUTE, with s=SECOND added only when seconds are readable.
h=2 m=36 s=10
